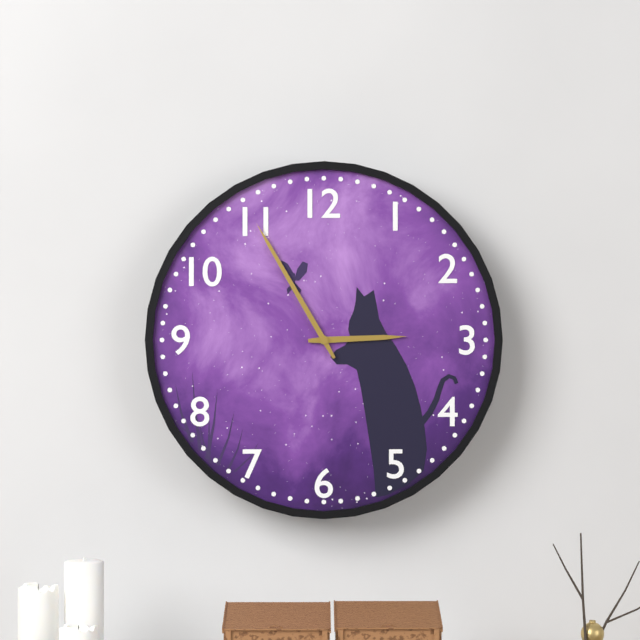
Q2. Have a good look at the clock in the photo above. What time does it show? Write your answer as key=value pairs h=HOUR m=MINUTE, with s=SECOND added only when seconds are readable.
h=2 m=55
